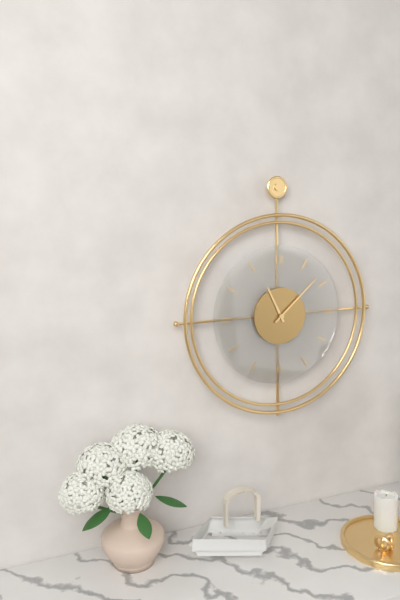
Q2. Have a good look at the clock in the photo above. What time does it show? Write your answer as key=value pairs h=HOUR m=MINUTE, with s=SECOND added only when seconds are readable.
h=11 m=8
